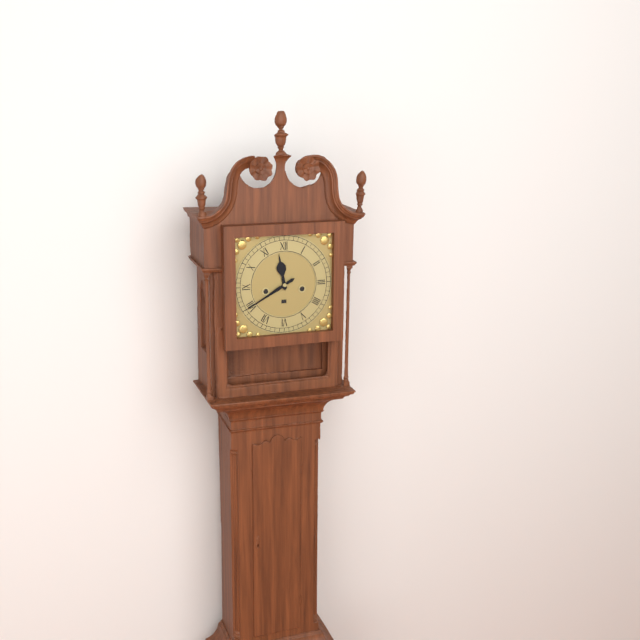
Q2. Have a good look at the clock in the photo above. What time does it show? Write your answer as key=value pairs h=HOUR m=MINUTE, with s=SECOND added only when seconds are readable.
h=11 m=40
